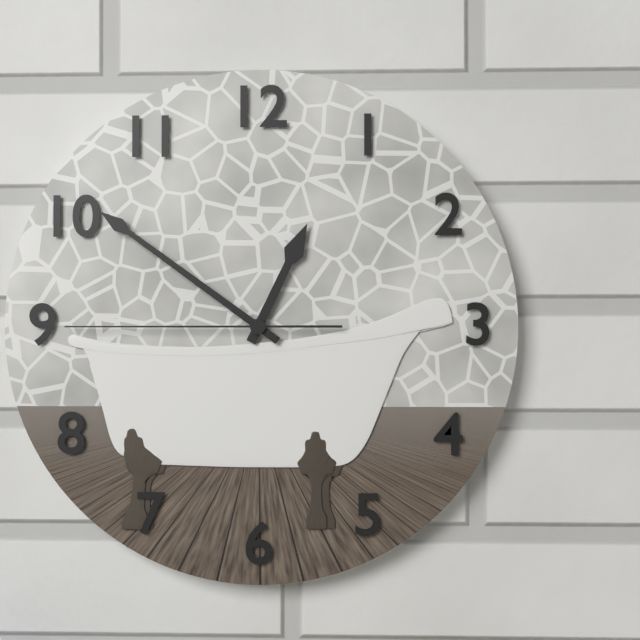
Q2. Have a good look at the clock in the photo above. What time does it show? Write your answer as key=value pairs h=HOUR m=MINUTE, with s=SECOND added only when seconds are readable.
h=12 m=51 s=45
